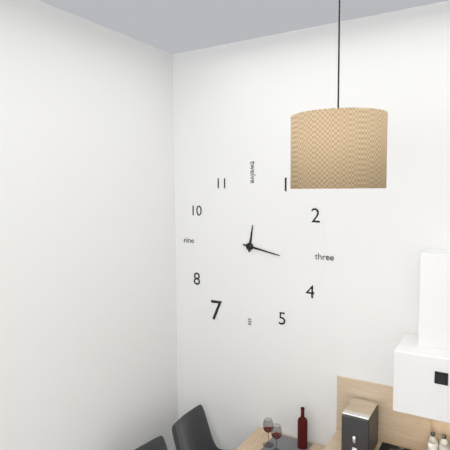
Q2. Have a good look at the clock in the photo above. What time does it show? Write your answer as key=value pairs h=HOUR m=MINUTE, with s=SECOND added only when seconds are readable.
h=12 m=17
